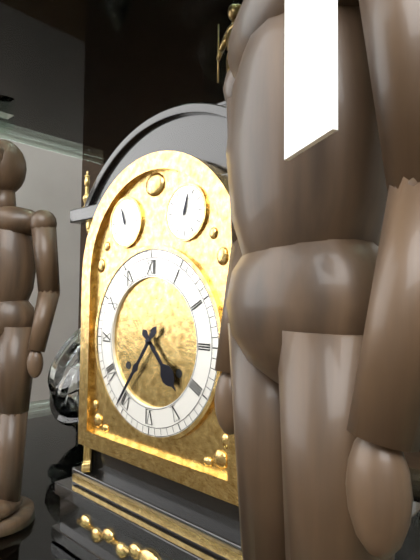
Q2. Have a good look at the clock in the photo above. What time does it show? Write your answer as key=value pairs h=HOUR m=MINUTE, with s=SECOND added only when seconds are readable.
h=4 m=36
